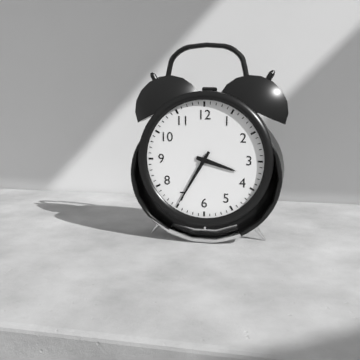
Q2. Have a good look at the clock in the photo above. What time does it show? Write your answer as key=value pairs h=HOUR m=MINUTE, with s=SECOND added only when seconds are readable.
h=3 m=35
